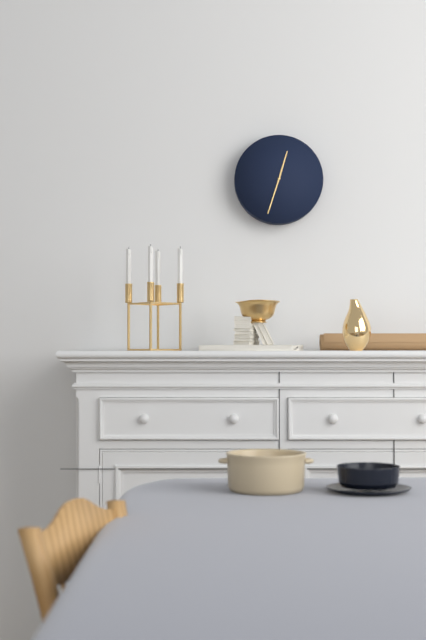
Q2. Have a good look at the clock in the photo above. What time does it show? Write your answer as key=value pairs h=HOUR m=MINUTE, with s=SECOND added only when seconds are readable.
h=12 m=33
